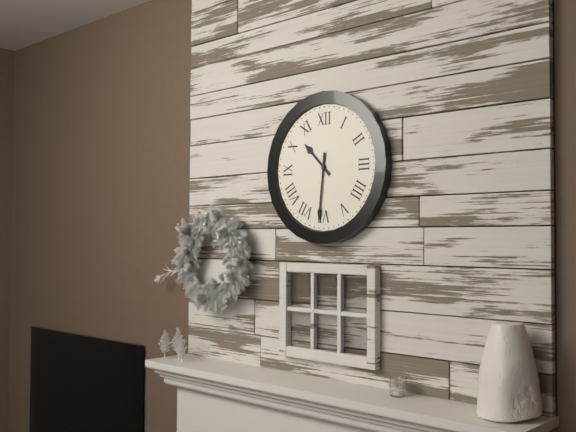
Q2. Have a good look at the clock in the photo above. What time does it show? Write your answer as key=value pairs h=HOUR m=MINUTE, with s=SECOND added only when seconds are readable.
h=10 m=31
